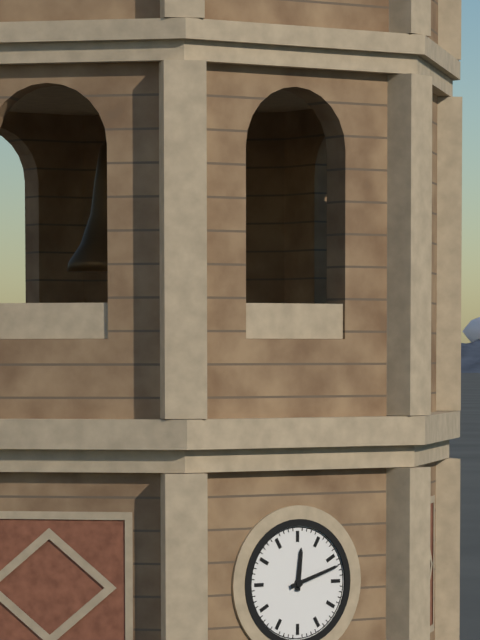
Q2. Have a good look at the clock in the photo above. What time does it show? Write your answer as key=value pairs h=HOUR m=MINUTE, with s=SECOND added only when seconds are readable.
h=12 m=12
